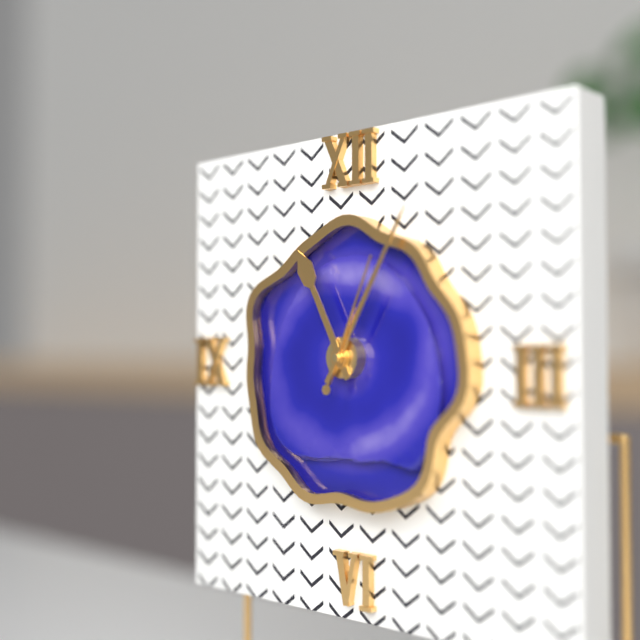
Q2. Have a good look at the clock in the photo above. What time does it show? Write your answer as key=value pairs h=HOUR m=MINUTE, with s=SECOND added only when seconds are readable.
h=11 m=5 s=4
